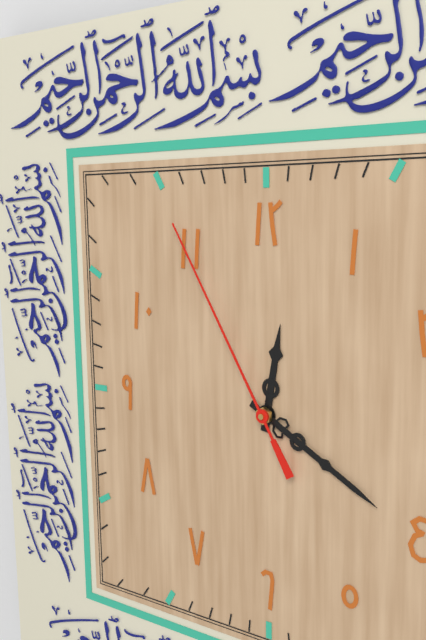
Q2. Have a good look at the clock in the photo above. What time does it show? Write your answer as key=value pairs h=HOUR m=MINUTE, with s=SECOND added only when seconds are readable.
h=12 m=20 s=55
